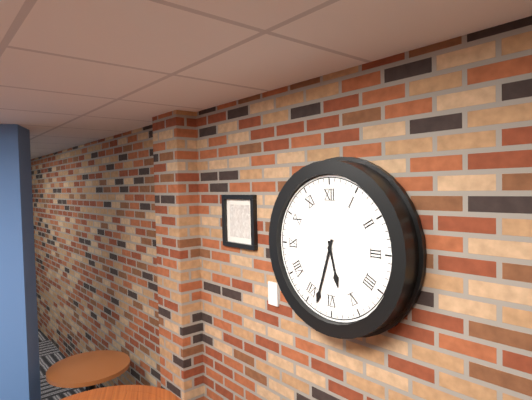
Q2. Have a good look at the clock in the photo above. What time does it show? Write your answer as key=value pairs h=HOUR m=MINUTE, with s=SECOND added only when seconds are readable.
h=5 m=33
